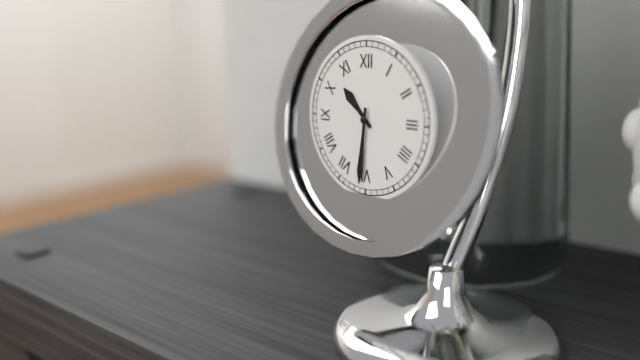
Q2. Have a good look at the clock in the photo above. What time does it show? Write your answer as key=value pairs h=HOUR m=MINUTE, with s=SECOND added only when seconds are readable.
h=10 m=31
